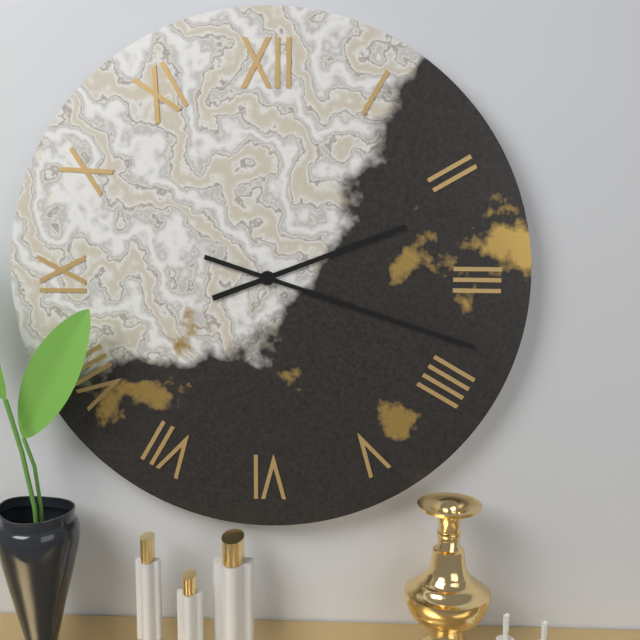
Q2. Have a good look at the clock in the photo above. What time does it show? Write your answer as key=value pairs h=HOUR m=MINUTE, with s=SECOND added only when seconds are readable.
h=2 m=18
